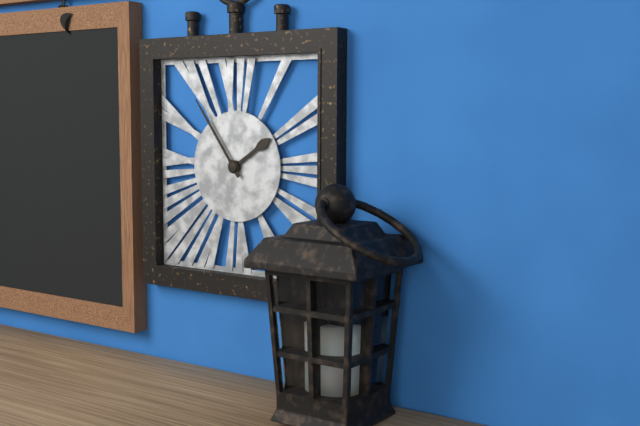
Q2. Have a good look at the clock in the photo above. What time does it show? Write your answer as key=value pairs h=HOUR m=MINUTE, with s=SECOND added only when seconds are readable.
h=1 m=54
